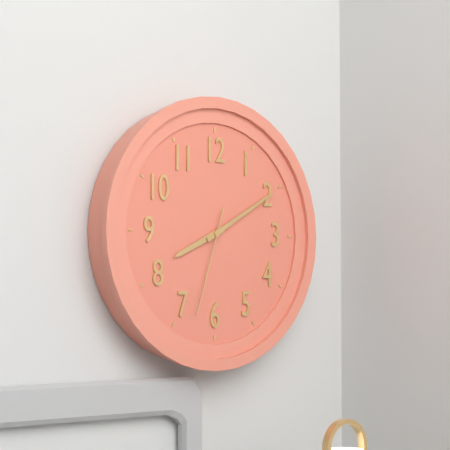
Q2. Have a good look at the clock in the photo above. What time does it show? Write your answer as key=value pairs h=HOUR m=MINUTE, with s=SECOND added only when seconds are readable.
h=8 m=10 s=33
